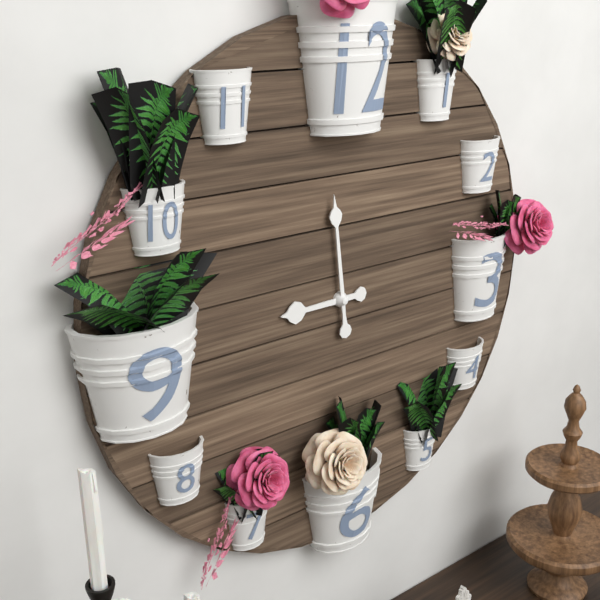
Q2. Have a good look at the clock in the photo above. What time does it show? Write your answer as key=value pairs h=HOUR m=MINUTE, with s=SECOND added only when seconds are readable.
h=8 m=59
